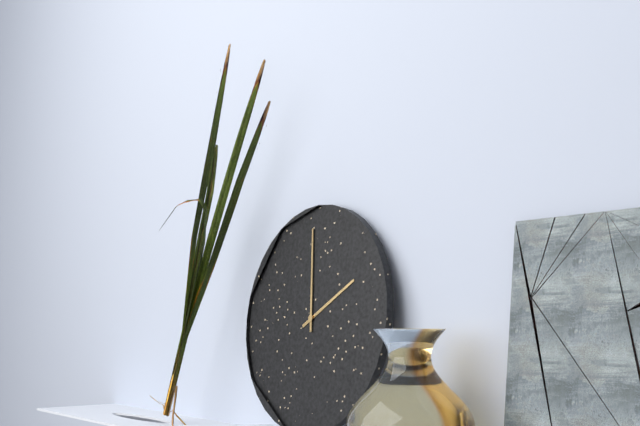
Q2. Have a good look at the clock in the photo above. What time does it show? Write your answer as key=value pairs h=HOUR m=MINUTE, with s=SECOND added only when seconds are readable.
h=1 m=59
